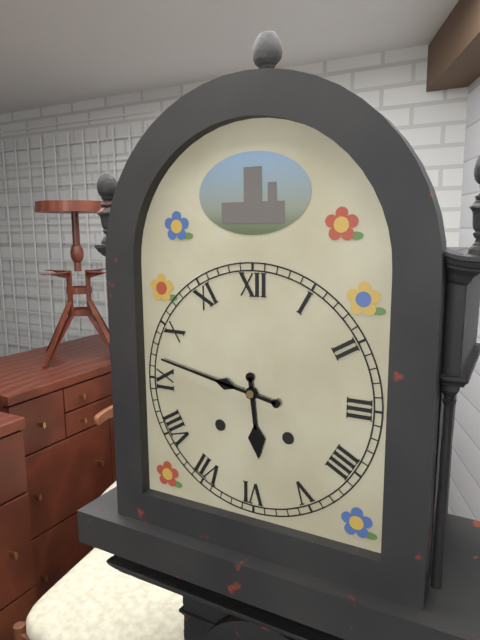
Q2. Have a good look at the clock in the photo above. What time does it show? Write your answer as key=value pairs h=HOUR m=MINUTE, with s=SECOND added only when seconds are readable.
h=5 m=47
